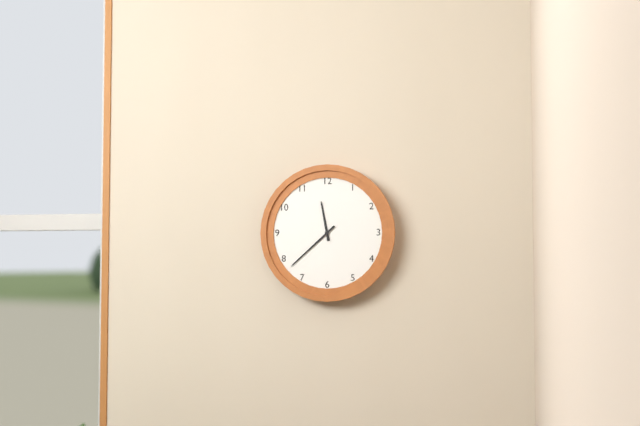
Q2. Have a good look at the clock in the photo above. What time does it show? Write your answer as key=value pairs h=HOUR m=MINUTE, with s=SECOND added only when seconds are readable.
h=11 m=38
